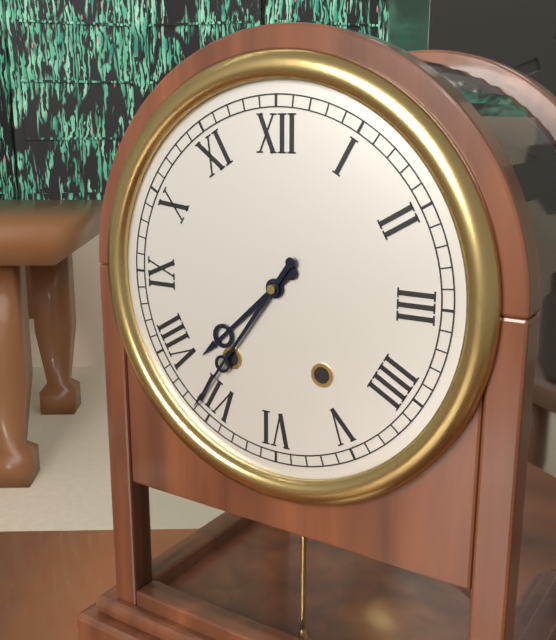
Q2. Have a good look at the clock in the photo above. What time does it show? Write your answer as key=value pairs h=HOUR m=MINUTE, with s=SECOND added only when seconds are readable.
h=7 m=36
